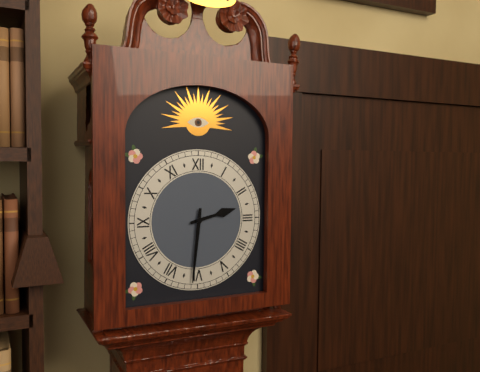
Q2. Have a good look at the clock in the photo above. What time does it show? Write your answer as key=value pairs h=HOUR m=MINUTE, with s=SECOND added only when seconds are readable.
h=2 m=31
